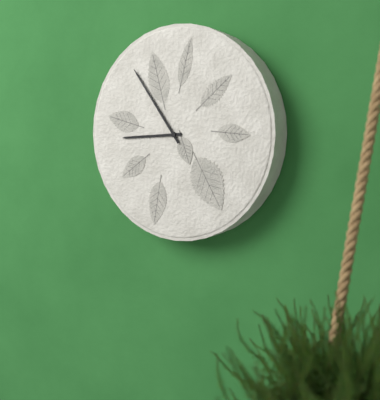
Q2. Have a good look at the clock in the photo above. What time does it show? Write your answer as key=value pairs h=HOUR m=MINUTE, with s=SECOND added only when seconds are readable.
h=8 m=54
